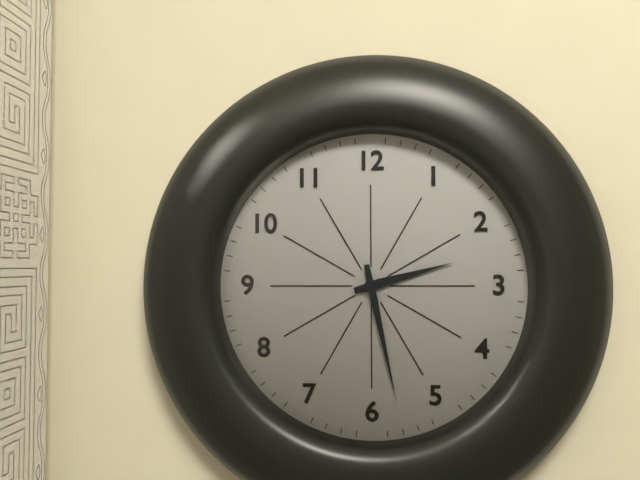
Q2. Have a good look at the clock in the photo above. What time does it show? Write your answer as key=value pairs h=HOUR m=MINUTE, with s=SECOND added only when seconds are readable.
h=2 m=28
